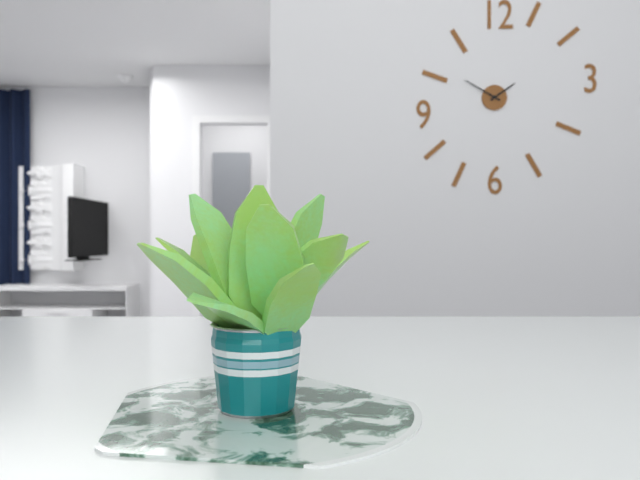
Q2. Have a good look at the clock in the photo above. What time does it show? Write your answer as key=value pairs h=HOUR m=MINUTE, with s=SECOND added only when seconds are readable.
h=1 m=50
